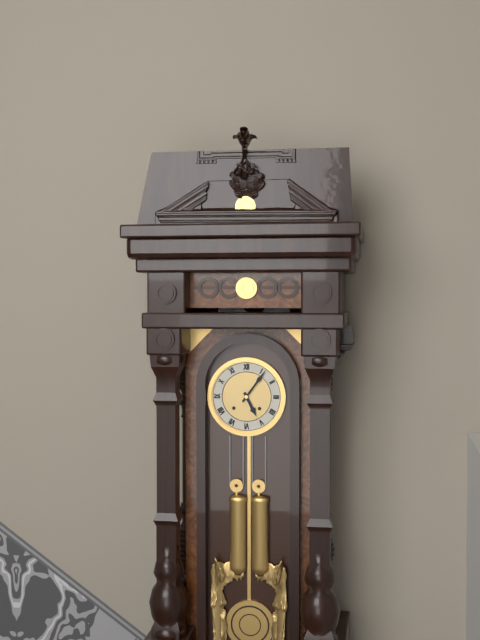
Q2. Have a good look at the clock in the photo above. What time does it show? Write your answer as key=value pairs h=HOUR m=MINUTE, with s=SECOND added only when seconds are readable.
h=5 m=6
